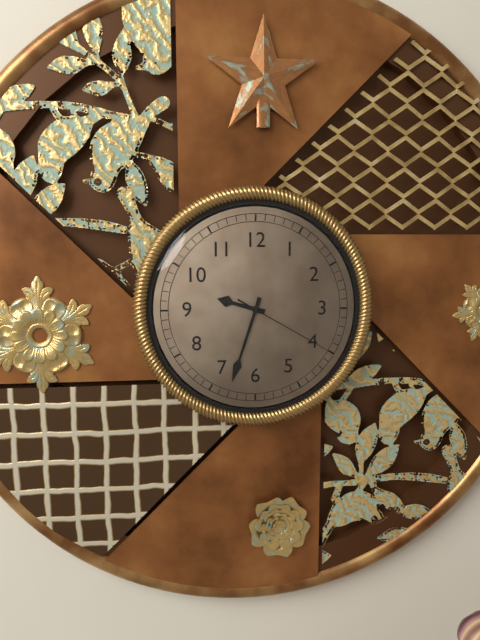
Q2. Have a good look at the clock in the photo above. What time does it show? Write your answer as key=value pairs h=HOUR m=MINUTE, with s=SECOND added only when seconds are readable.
h=9 m=33 s=20
